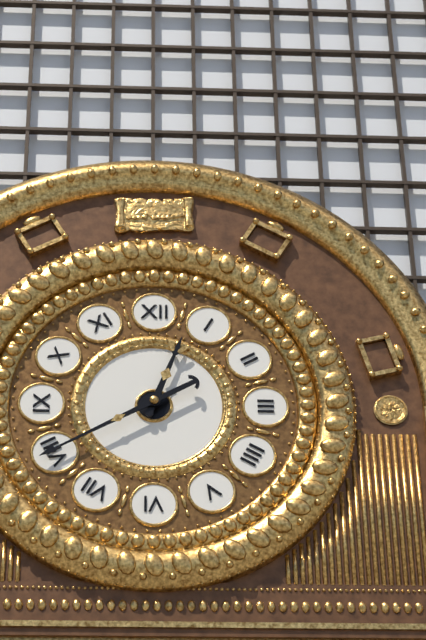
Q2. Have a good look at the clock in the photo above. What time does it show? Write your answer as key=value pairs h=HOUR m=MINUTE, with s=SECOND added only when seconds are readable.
h=12 m=40
